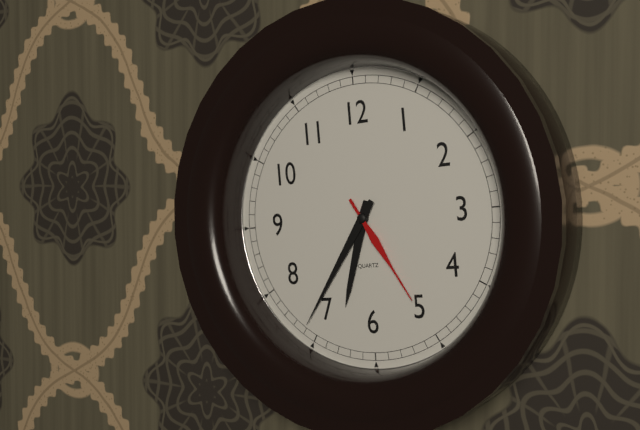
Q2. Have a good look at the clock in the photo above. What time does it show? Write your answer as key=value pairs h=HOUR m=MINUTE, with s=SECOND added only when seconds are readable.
h=6 m=36 s=25
